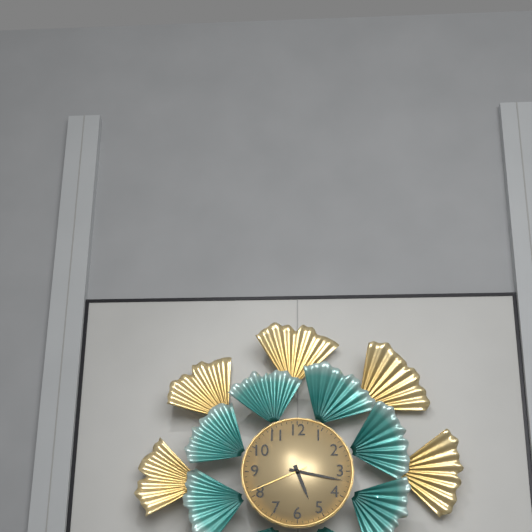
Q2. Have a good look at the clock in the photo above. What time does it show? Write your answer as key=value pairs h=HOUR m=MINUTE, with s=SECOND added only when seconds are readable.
h=5 m=17 s=41
